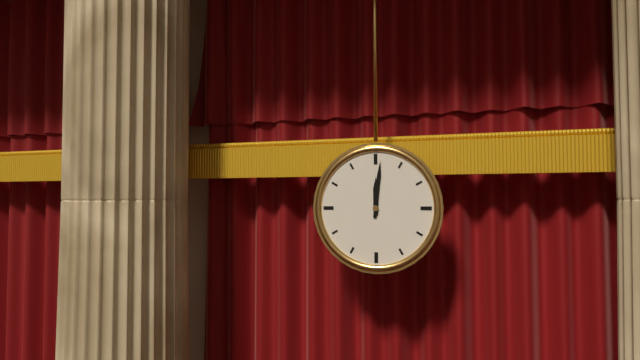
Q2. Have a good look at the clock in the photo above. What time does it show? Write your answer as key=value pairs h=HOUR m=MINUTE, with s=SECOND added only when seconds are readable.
h=12 m=1
